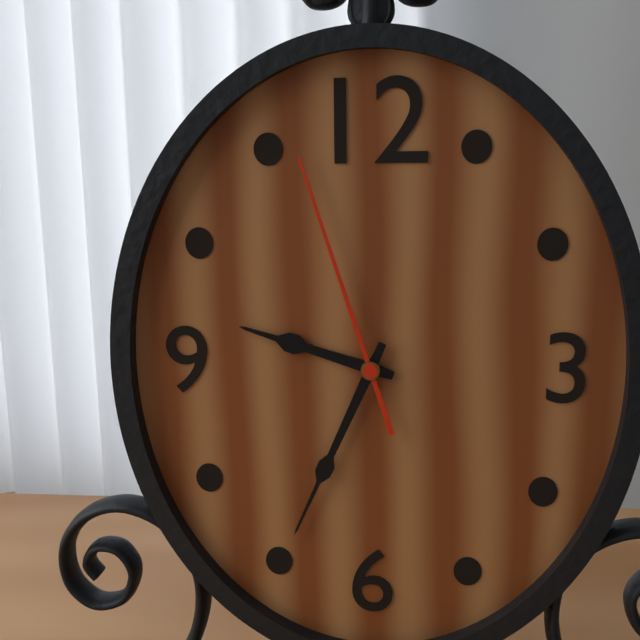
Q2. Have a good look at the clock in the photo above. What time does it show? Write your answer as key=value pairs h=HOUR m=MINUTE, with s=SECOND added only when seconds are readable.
h=9 m=34 s=57
